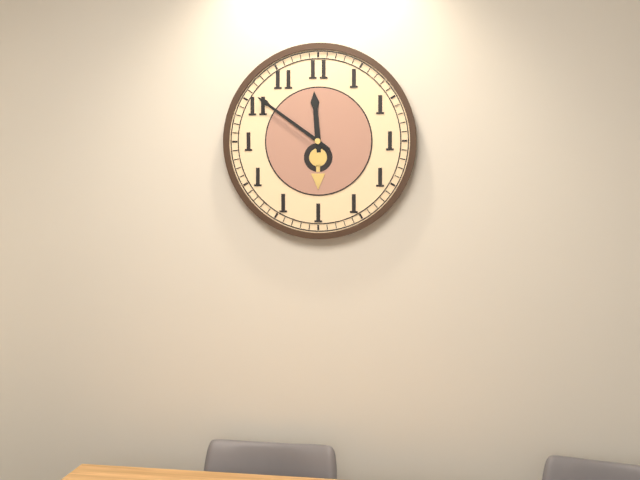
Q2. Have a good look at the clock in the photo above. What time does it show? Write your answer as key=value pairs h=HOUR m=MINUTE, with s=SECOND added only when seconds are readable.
h=11 m=51
